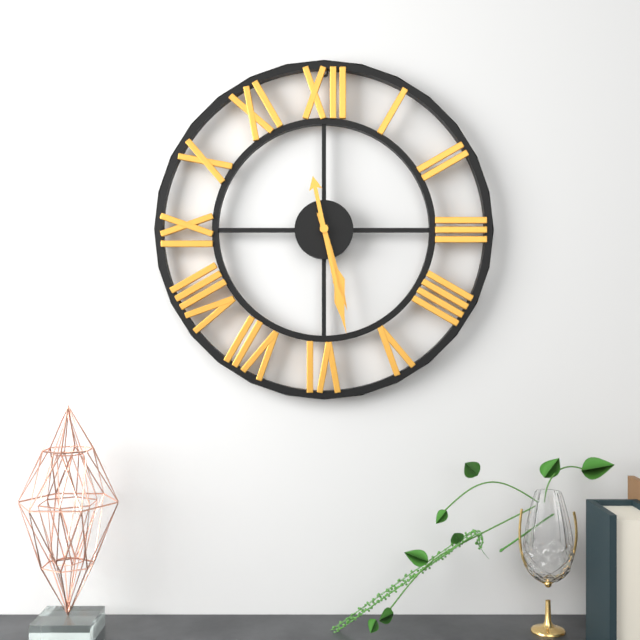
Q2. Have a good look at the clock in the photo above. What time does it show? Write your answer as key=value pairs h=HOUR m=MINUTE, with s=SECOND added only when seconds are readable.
h=5 m=28
